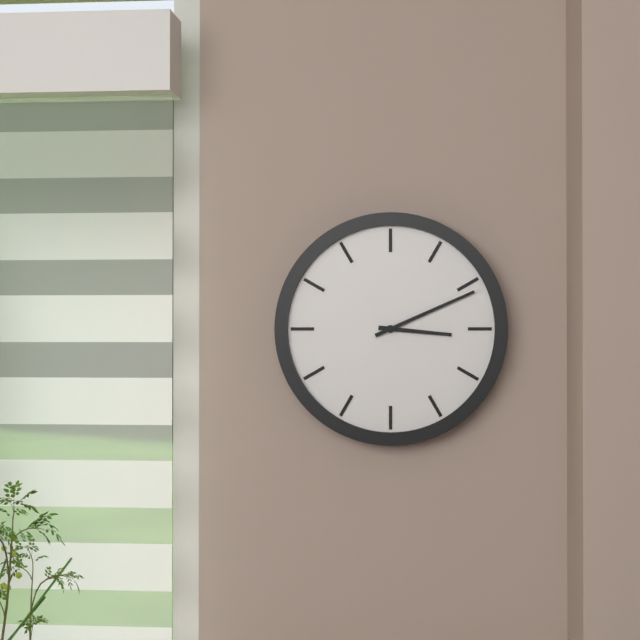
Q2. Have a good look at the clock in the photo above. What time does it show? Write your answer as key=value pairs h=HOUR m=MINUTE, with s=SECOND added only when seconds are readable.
h=3 m=11
